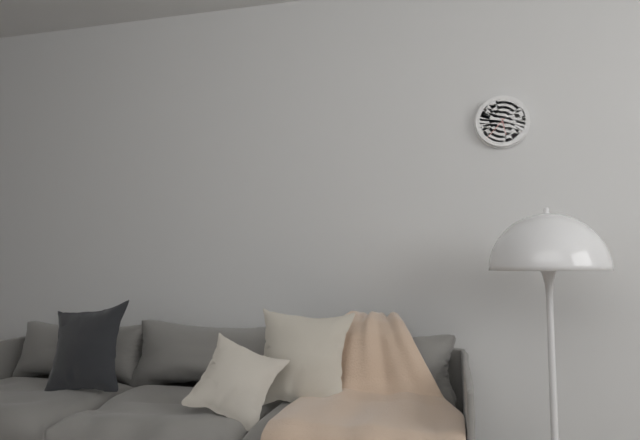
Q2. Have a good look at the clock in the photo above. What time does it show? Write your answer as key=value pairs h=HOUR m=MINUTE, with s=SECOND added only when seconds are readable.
h=5 m=37
